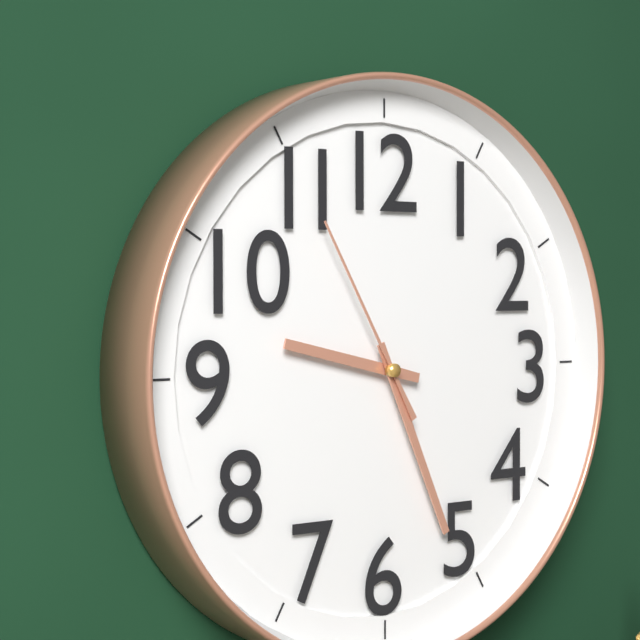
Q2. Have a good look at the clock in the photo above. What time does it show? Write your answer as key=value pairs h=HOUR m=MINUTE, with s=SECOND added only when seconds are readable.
h=9 m=26 s=55
